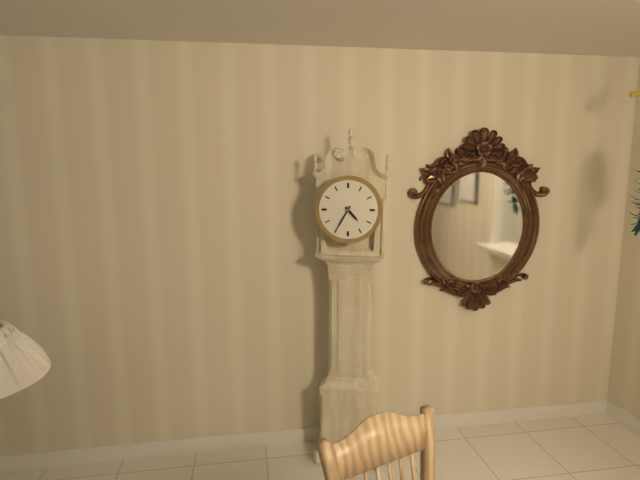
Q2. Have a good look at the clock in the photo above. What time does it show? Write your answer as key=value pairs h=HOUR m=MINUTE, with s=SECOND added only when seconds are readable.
h=4 m=35
